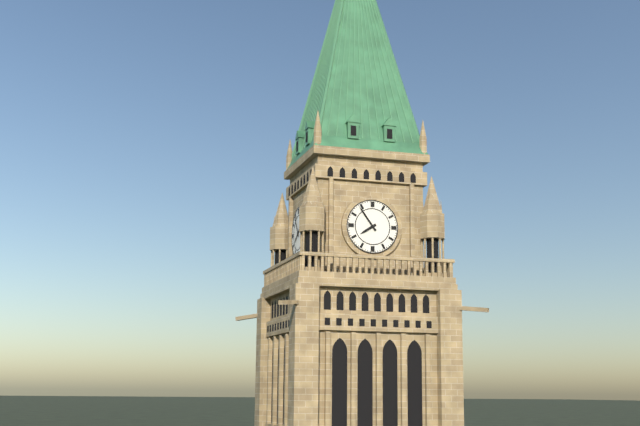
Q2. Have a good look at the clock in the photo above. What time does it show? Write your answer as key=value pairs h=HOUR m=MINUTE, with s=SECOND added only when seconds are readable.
h=7 m=54
